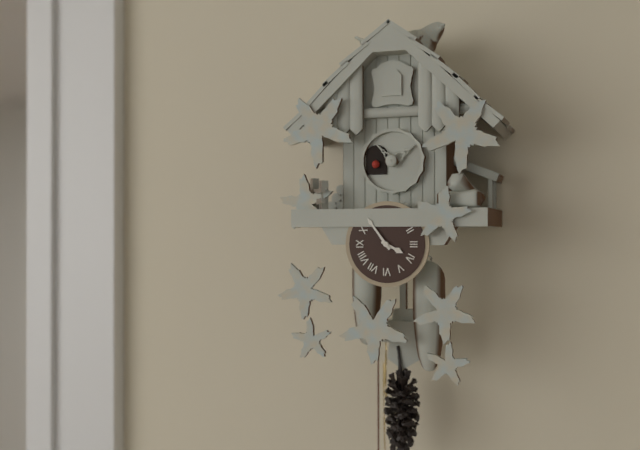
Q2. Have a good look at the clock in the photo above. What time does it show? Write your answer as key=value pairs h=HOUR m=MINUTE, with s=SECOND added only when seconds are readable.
h=3 m=54
